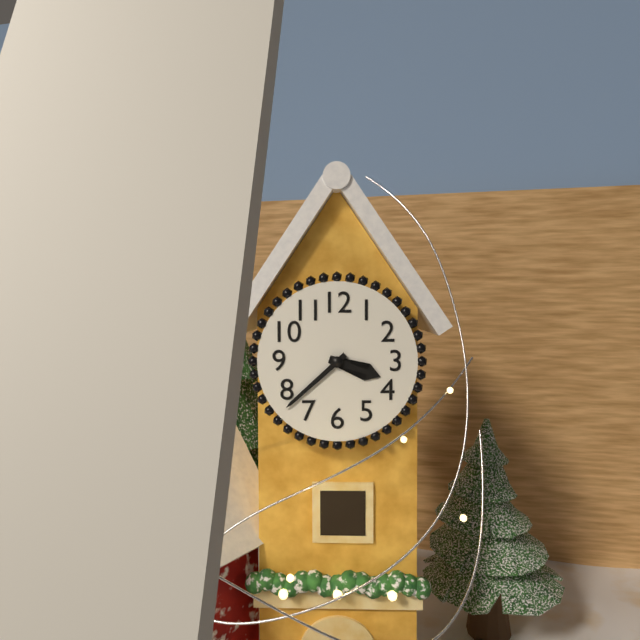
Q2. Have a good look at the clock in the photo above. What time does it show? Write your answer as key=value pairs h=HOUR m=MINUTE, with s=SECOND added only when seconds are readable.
h=3 m=38
